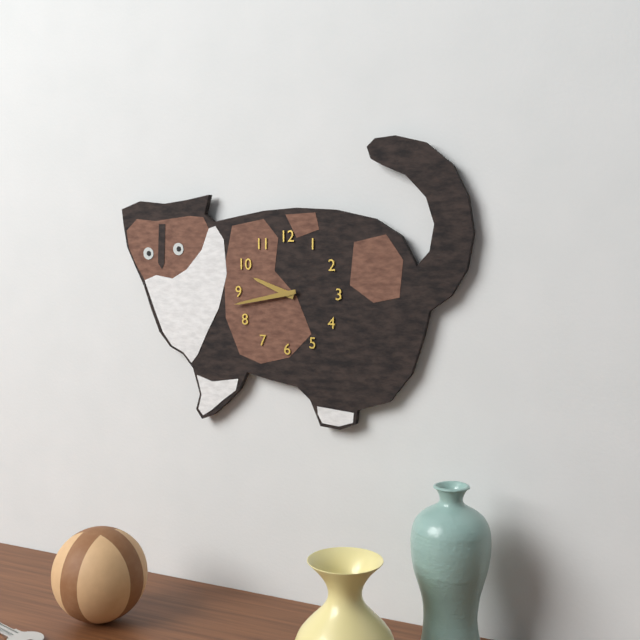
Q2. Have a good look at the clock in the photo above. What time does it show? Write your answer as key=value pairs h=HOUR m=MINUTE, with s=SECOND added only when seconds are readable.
h=9 m=43
